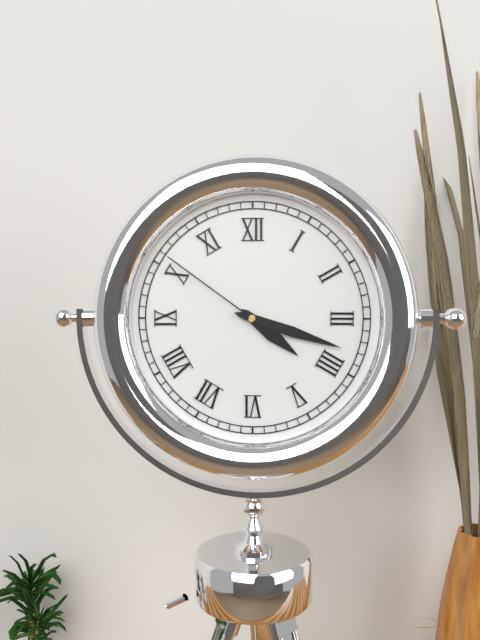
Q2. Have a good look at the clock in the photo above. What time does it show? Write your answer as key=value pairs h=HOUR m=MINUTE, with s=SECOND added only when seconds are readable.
h=4 m=18 s=51
